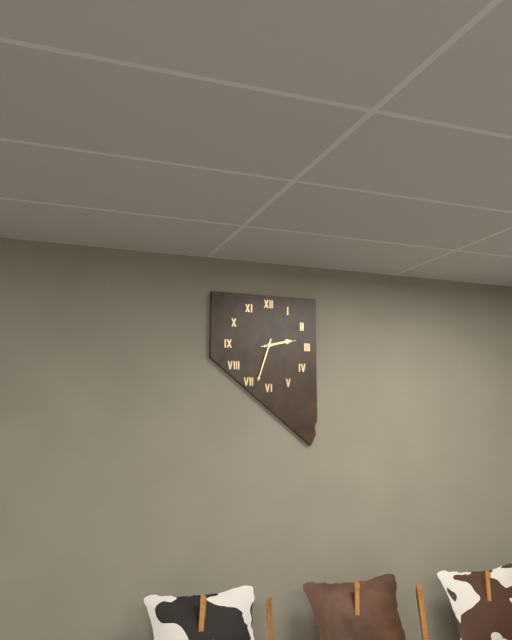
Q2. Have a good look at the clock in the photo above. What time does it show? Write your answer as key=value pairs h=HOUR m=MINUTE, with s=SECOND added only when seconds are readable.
h=2 m=33
